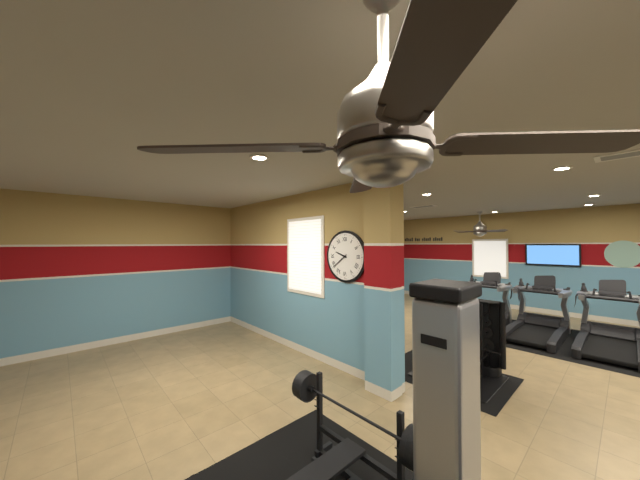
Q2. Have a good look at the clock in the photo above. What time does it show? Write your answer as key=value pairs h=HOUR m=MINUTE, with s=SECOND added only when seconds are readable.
h=9 m=39
